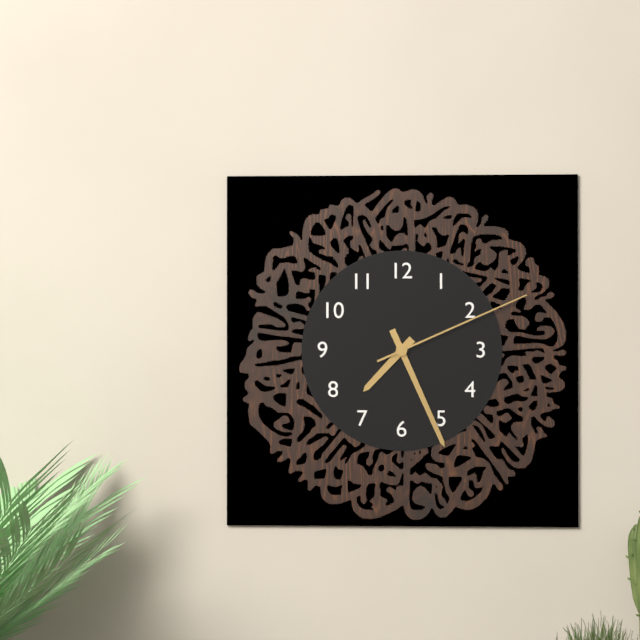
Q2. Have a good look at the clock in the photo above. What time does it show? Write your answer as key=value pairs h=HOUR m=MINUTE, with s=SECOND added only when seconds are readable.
h=7 m=26 s=11
